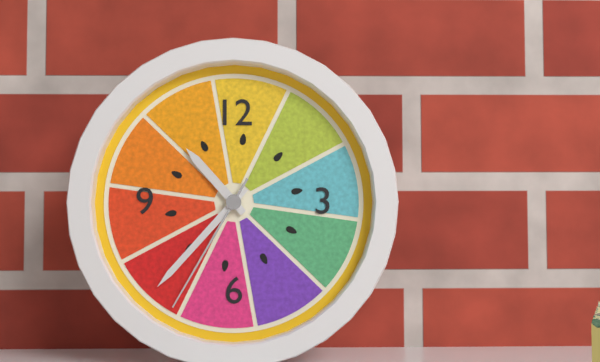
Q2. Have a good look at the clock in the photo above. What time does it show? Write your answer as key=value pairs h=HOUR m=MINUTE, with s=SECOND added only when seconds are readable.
h=10 m=37 s=35
